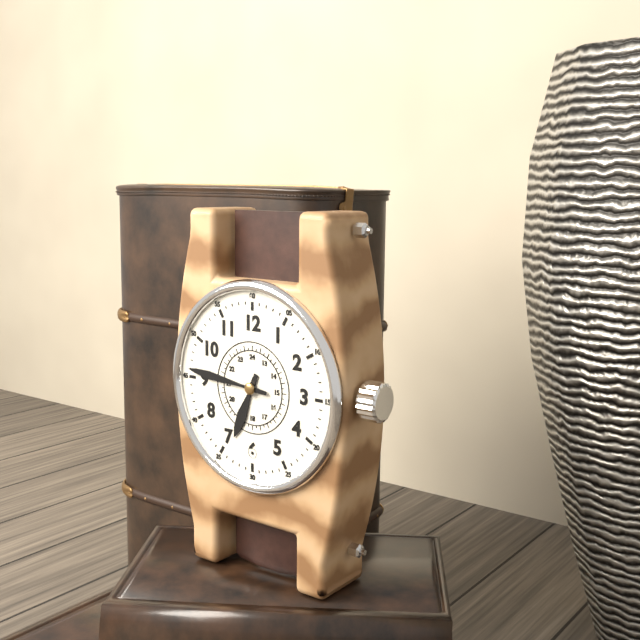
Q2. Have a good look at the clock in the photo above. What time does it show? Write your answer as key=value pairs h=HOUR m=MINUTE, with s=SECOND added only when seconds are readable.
h=6 m=46
